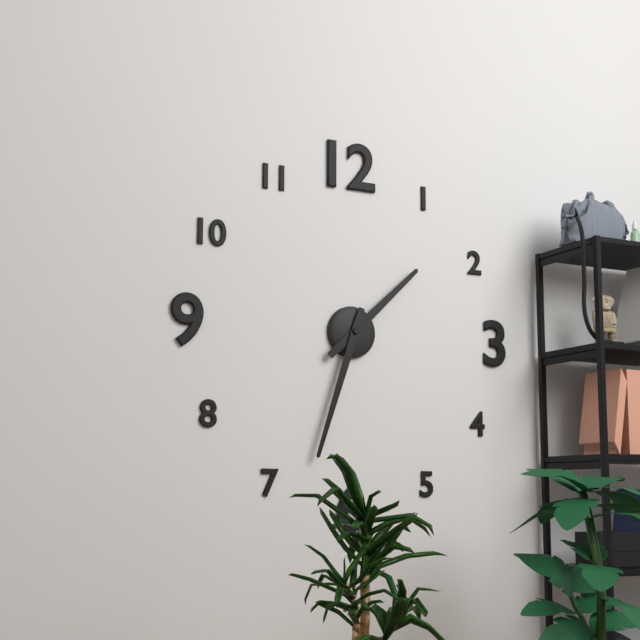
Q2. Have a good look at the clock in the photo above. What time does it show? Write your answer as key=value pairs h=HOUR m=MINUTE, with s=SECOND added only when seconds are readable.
h=1 m=33
